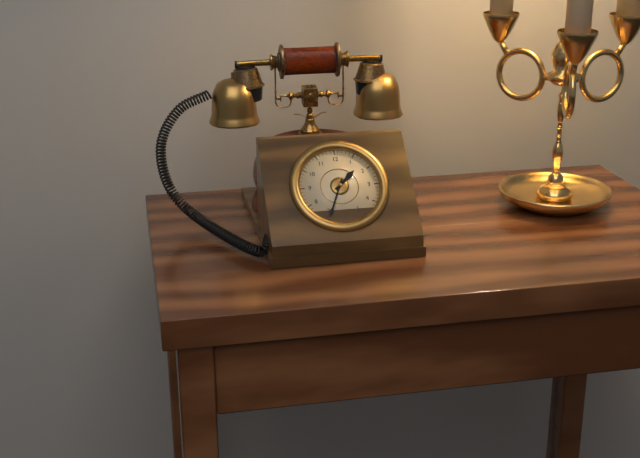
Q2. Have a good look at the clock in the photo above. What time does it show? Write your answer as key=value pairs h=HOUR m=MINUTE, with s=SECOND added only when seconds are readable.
h=1 m=34
